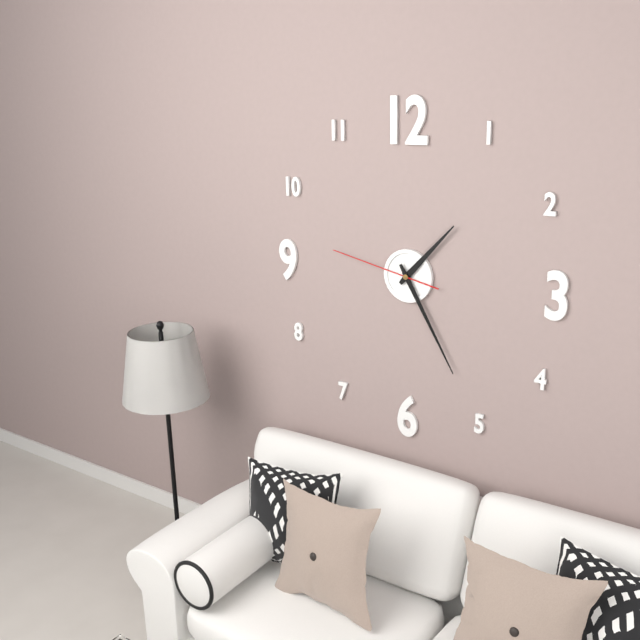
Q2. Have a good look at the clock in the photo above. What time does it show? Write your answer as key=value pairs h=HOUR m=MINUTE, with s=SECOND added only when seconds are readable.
h=1 m=25 s=47
